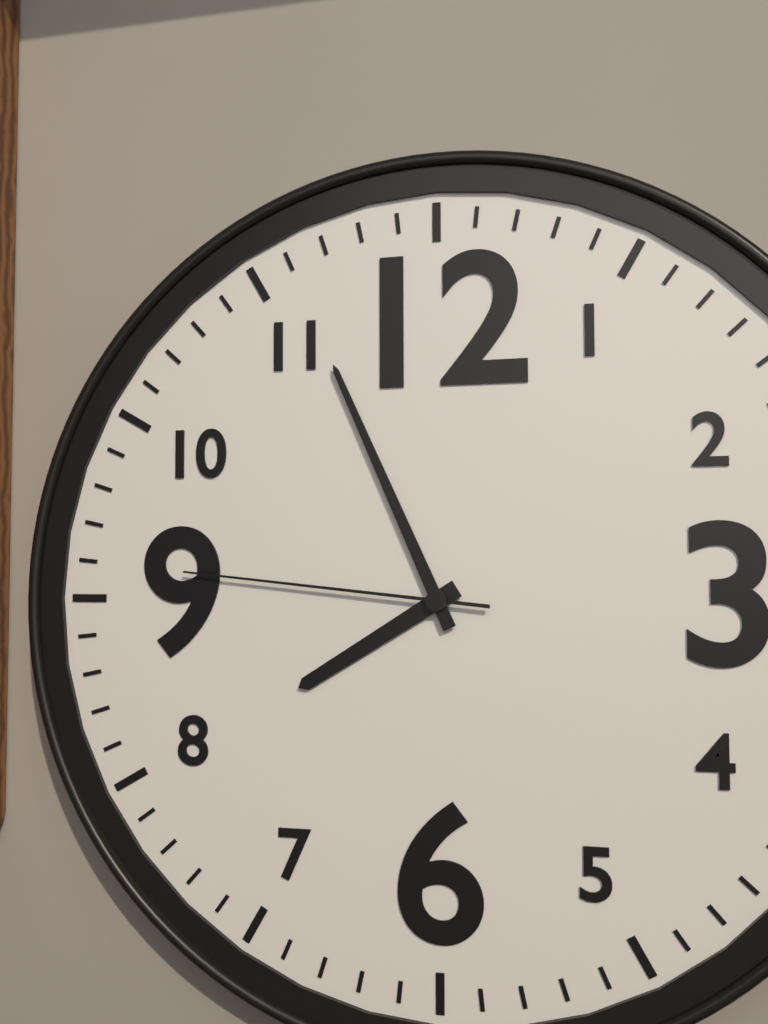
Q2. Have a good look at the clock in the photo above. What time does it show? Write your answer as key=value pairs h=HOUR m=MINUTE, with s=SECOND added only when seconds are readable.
h=7 m=56 s=46
